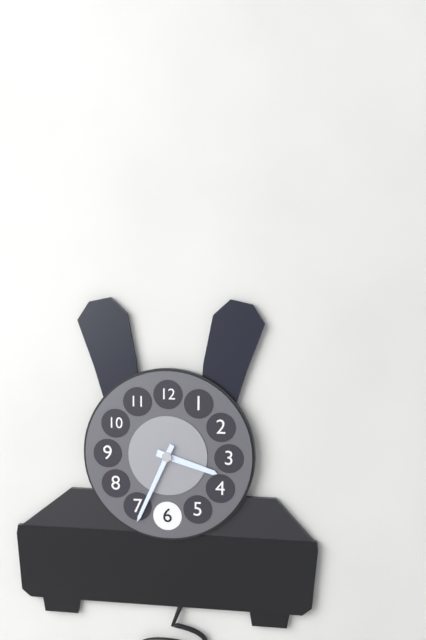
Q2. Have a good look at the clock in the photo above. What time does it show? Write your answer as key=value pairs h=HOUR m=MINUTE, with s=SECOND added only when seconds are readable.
h=3 m=34
